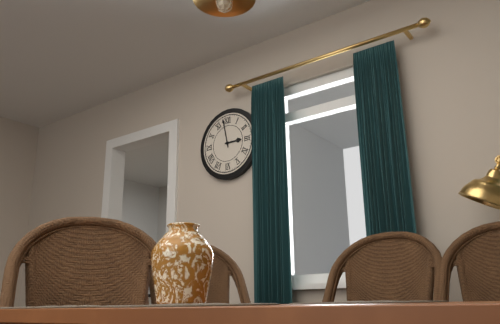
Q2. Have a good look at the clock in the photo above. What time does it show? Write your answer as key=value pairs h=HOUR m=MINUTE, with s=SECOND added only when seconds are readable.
h=2 m=58
